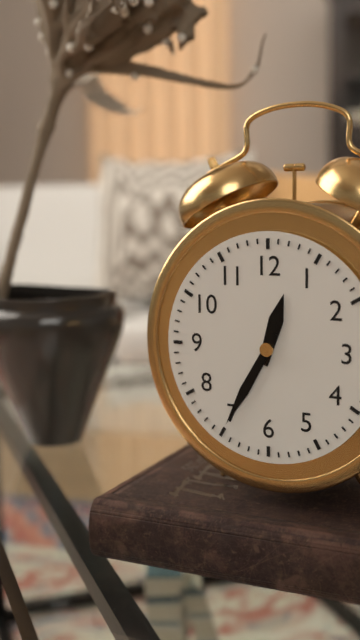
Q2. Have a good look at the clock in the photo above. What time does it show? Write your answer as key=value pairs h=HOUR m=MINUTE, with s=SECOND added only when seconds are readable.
h=12 m=35
